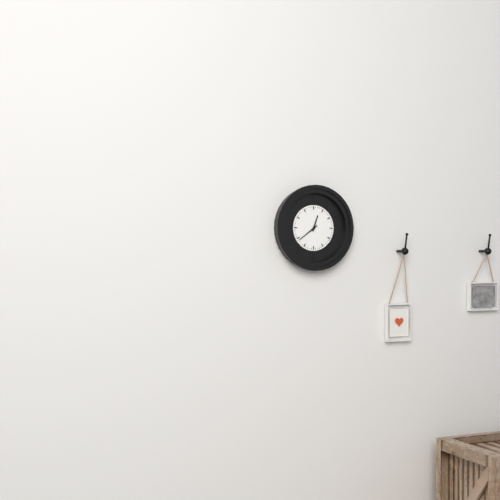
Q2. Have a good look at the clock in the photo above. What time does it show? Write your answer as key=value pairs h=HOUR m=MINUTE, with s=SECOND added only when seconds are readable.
h=12 m=39
